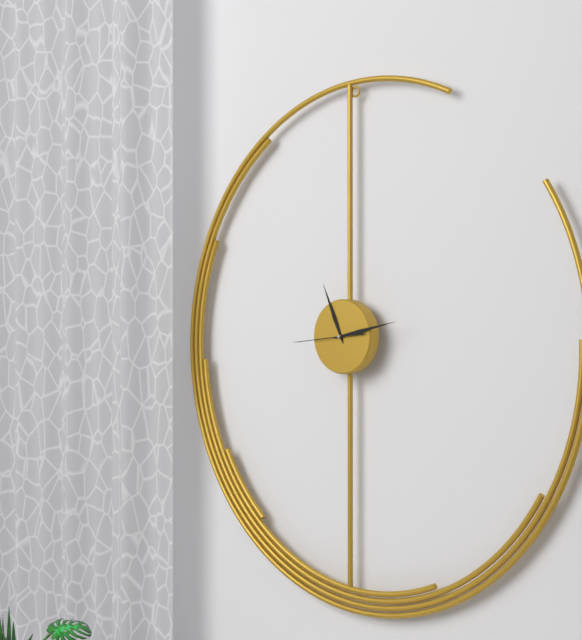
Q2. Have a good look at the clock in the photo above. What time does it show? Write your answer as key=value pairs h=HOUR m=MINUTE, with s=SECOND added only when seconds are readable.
h=11 m=13 s=44
